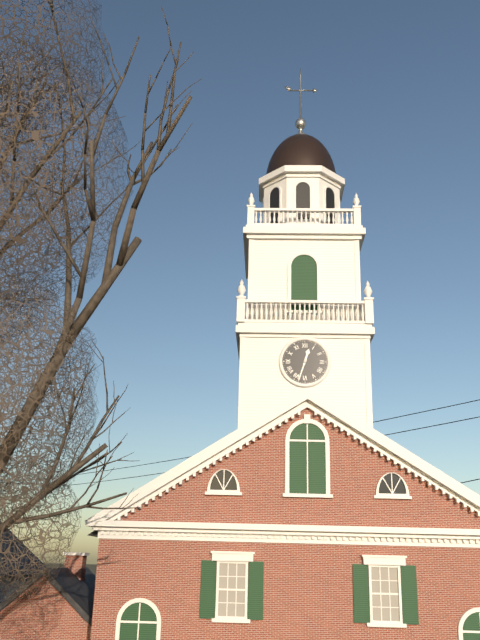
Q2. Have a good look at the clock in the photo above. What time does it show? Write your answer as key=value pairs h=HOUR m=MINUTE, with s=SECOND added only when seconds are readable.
h=12 m=33
